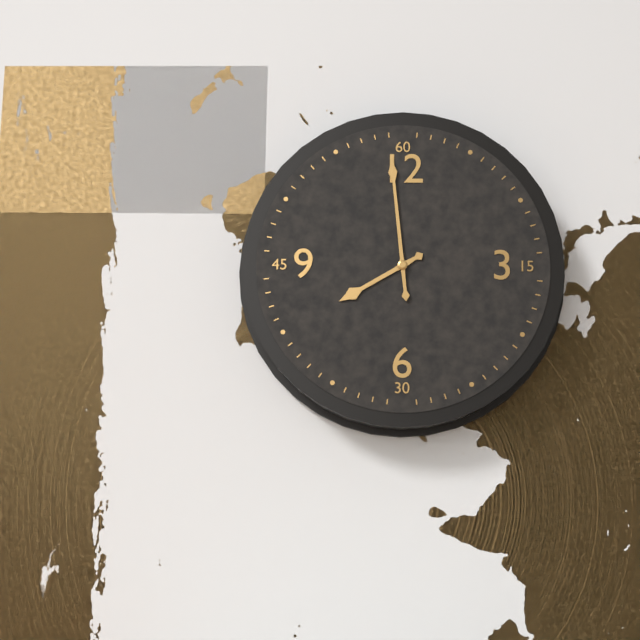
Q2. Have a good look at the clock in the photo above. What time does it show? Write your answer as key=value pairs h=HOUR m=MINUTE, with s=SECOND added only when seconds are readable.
h=7 m=59
